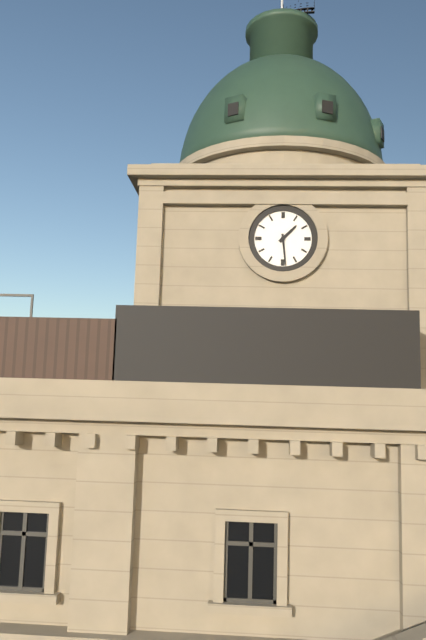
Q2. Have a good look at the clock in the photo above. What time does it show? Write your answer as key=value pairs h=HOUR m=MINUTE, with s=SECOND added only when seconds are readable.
h=1 m=29
